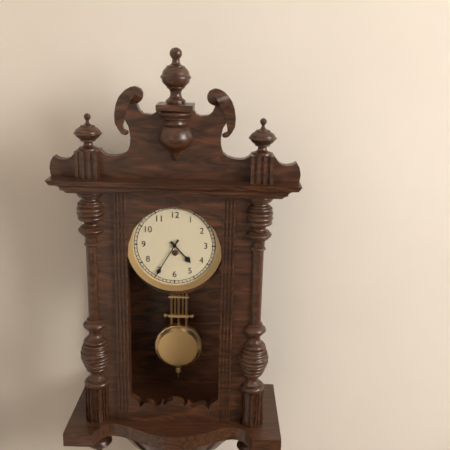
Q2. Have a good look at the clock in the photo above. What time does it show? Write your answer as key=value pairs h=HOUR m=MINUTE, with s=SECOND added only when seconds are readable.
h=4 m=35
